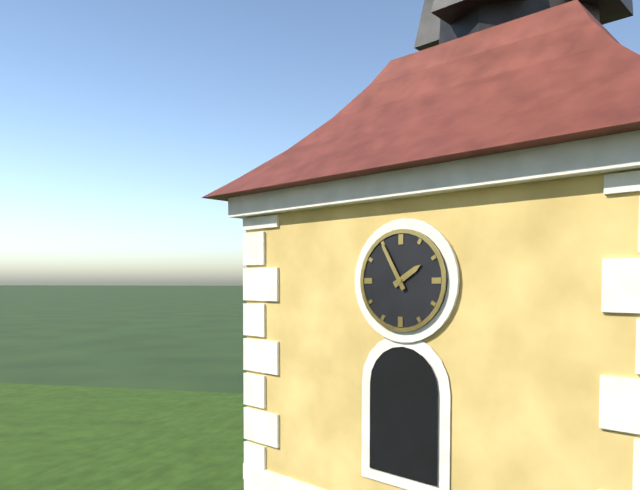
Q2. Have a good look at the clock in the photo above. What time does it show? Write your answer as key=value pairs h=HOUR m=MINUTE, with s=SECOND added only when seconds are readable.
h=1 m=55
